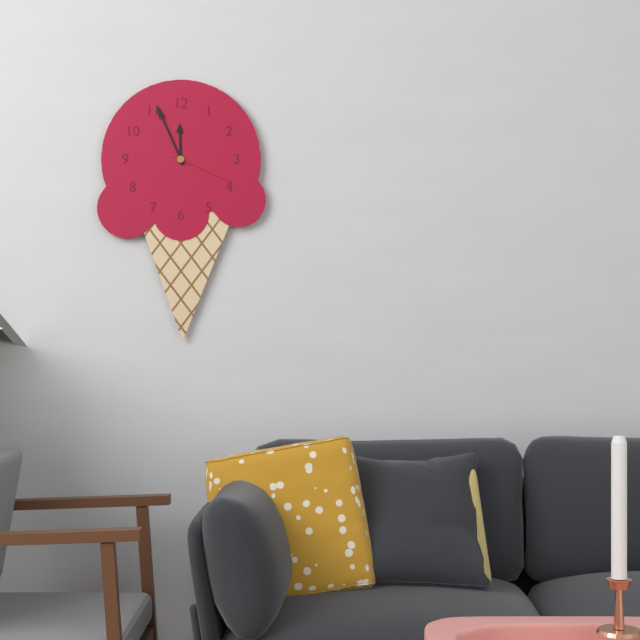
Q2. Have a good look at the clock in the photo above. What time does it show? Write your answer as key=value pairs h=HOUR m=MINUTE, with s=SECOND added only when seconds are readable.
h=11 m=56 s=19
